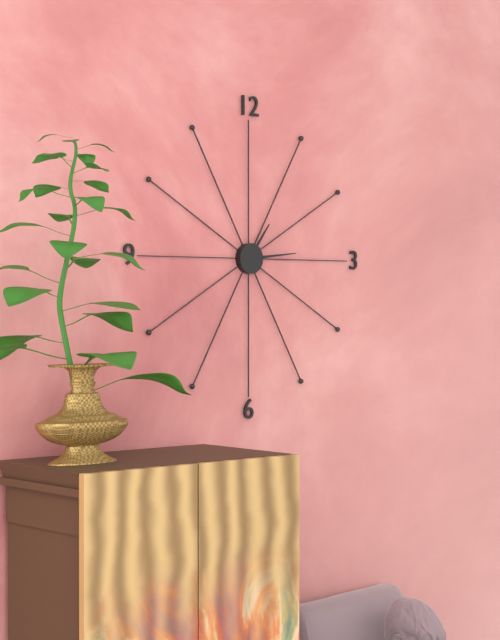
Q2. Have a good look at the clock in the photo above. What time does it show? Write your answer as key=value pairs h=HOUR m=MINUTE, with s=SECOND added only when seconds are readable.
h=1 m=14
